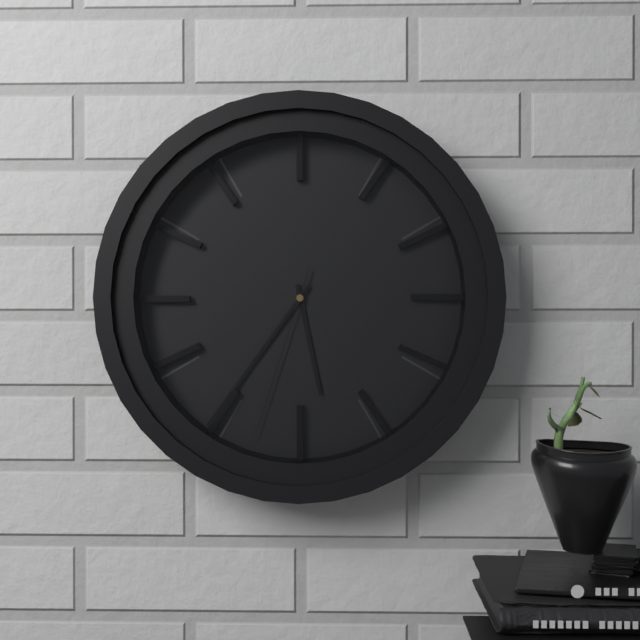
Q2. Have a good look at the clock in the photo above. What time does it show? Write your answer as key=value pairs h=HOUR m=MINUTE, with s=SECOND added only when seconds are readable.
h=5 m=36 s=33
